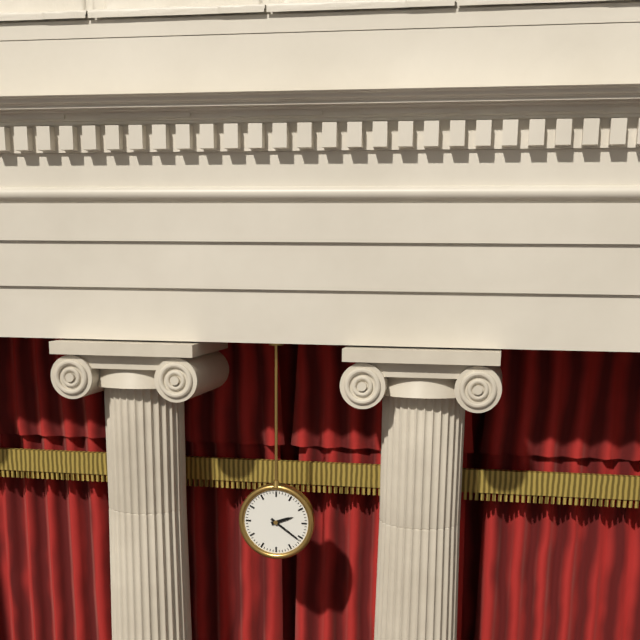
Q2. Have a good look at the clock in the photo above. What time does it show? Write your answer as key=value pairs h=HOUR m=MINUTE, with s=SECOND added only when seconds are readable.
h=2 m=21
